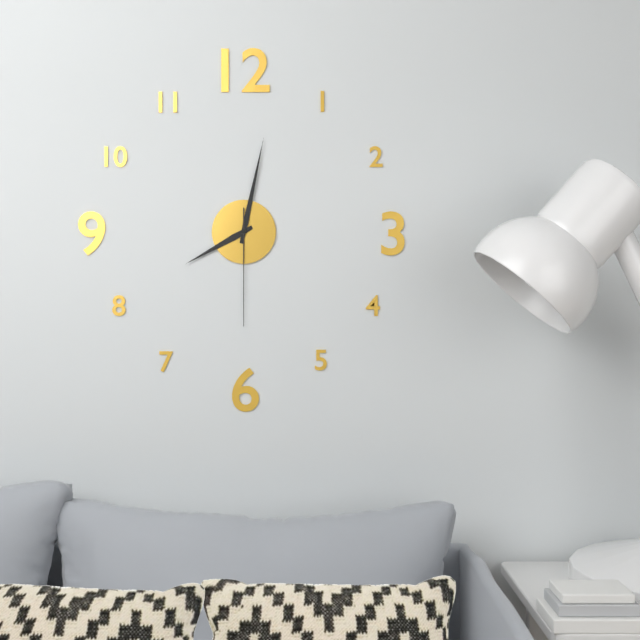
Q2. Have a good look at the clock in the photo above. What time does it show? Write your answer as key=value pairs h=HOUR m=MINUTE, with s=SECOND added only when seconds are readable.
h=8 m=2 s=30
